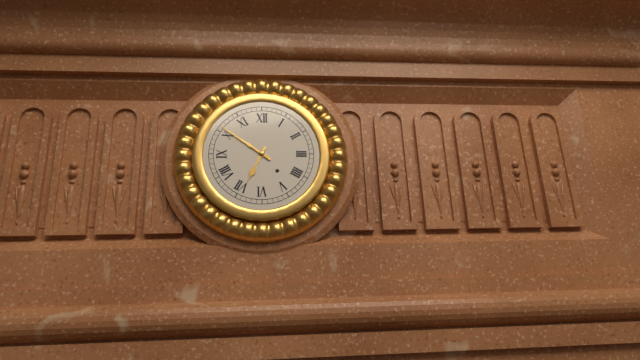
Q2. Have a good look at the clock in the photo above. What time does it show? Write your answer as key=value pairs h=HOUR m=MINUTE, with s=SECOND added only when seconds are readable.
h=6 m=51
